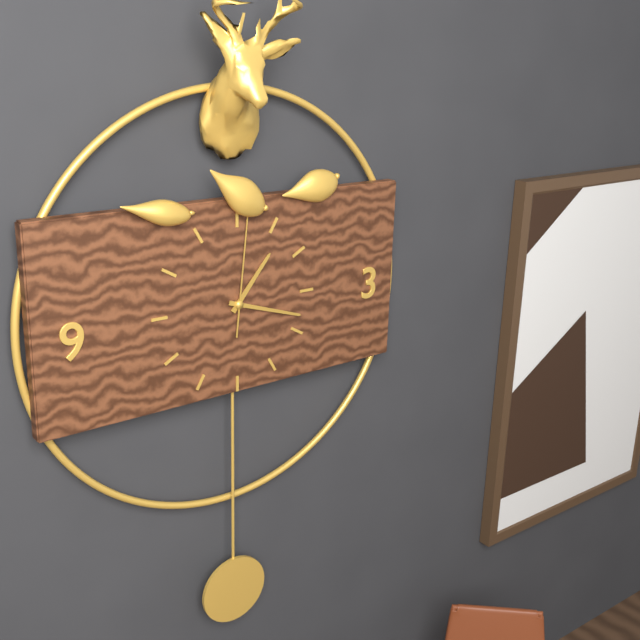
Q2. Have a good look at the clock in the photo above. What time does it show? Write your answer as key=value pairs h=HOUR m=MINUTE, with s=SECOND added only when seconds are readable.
h=1 m=18 s=1
